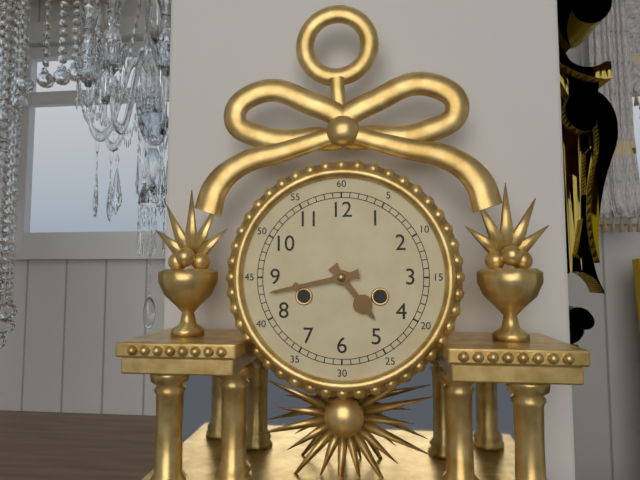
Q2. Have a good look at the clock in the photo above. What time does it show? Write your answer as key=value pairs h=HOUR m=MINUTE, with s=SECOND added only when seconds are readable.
h=4 m=43
